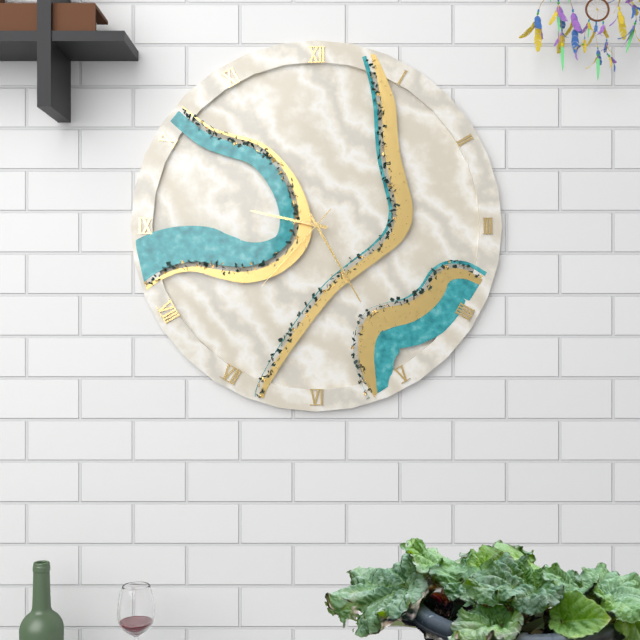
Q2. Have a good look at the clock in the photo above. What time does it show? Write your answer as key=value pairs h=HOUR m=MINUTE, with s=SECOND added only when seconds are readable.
h=9 m=25 s=37
